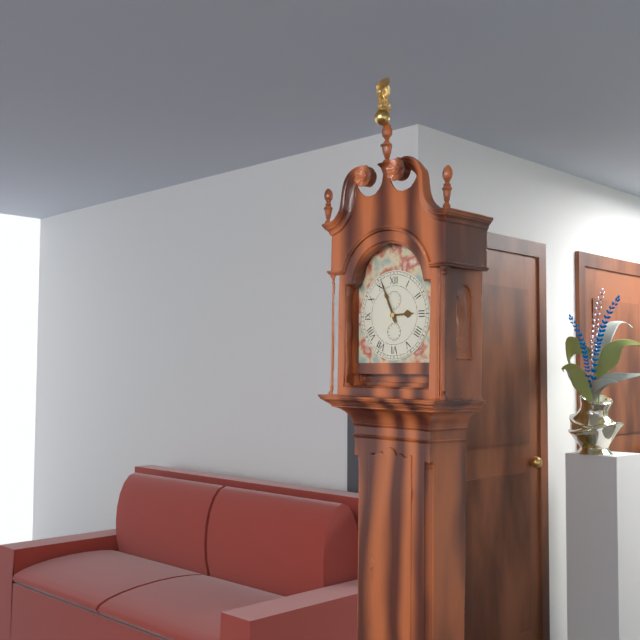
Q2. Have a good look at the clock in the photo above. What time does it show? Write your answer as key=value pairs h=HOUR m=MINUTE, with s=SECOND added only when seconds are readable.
h=2 m=56
